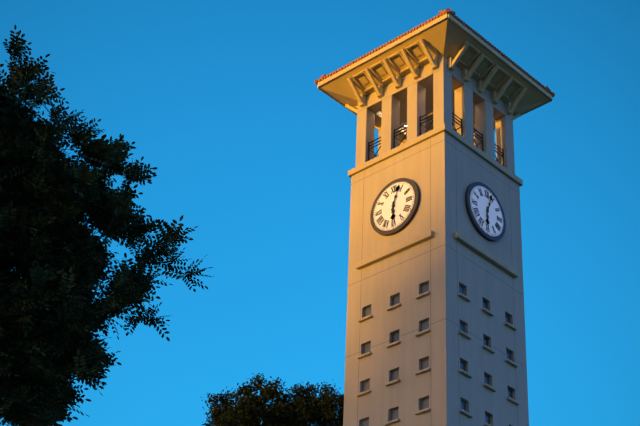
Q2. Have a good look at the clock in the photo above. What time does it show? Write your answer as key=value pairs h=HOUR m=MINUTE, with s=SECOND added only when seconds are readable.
h=6 m=3
